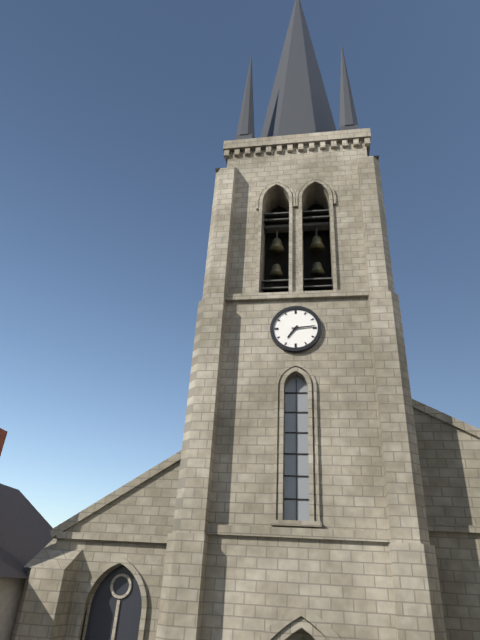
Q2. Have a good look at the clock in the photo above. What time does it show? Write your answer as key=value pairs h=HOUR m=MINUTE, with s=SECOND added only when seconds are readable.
h=7 m=14
